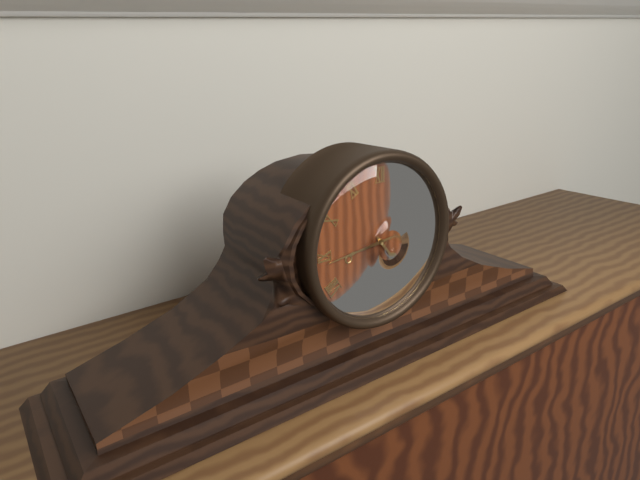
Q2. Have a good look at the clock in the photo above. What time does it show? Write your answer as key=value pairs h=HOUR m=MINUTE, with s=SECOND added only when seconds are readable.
h=4 m=44
